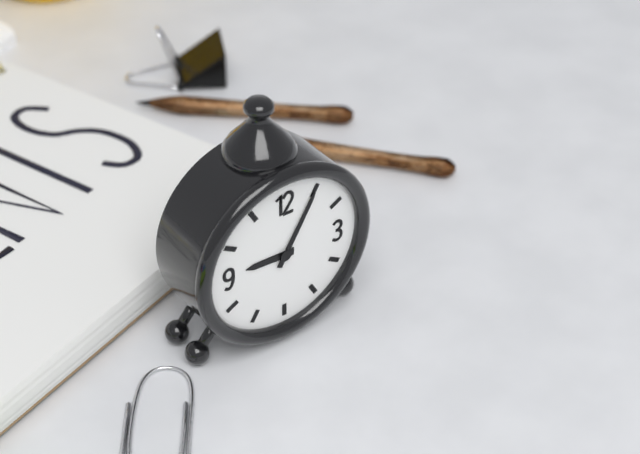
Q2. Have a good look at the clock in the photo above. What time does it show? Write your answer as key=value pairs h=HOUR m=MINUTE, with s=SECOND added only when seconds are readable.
h=9 m=5
